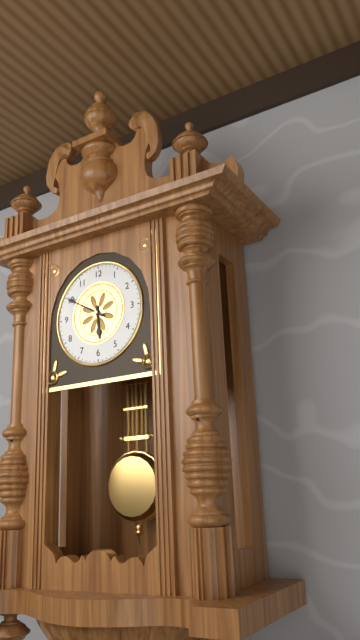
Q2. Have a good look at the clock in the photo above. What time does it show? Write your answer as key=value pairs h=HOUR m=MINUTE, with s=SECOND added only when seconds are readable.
h=5 m=50
